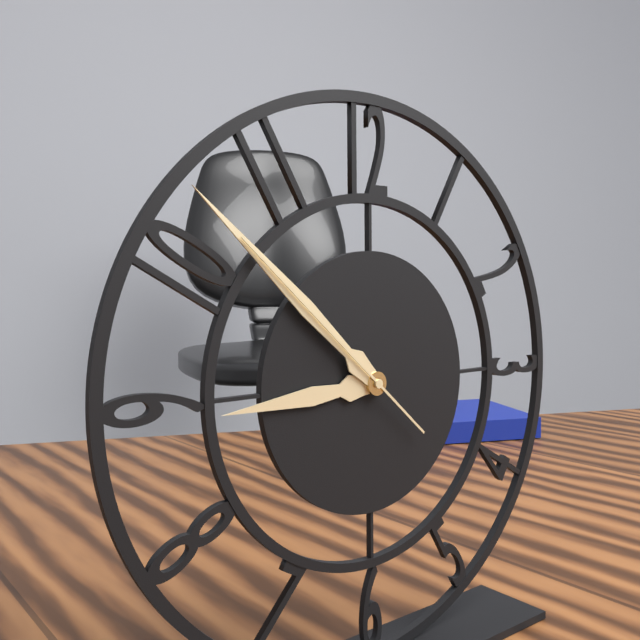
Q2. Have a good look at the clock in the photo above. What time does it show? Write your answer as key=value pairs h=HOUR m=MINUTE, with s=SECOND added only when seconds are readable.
h=8 m=52 s=52
